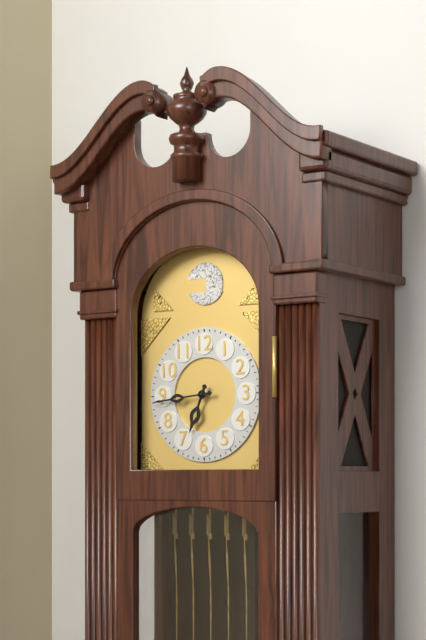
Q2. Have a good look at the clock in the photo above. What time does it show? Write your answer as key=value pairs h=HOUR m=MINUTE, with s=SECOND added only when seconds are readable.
h=6 m=44
